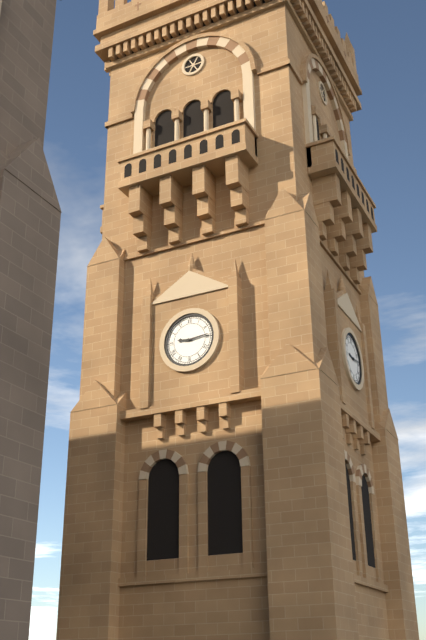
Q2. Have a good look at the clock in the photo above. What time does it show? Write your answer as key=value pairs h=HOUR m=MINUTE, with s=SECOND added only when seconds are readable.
h=9 m=14
